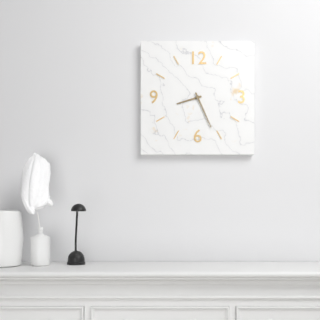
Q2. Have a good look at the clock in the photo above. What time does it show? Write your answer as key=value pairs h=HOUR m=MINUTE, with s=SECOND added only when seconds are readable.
h=8 m=26
